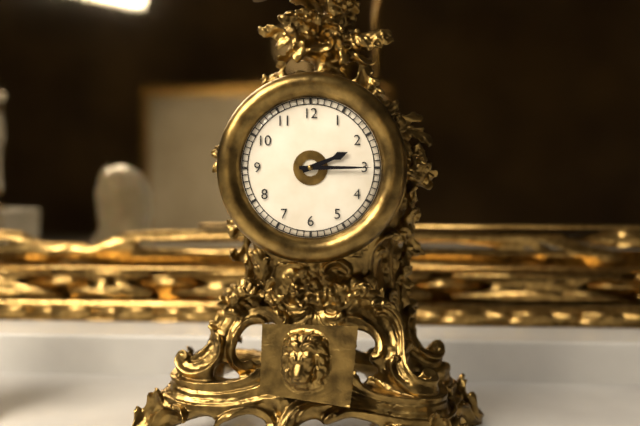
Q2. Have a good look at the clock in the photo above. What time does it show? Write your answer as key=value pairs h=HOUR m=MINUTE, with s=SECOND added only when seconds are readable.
h=2 m=15
